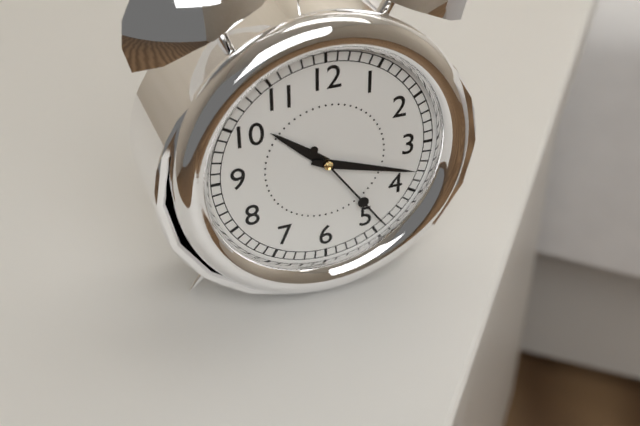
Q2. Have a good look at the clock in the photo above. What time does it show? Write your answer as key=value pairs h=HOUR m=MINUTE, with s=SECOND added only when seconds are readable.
h=10 m=18 s=24
